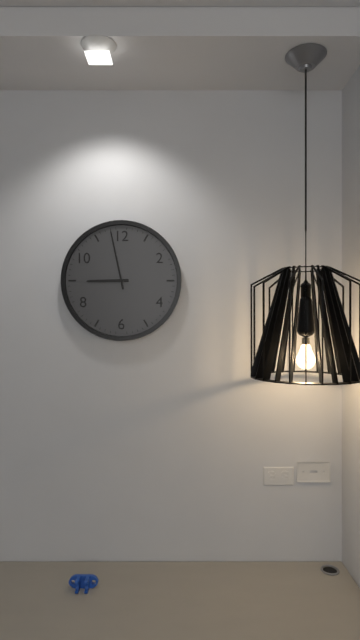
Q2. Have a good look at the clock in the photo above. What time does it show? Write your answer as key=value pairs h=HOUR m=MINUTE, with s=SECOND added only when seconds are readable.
h=8 m=58
